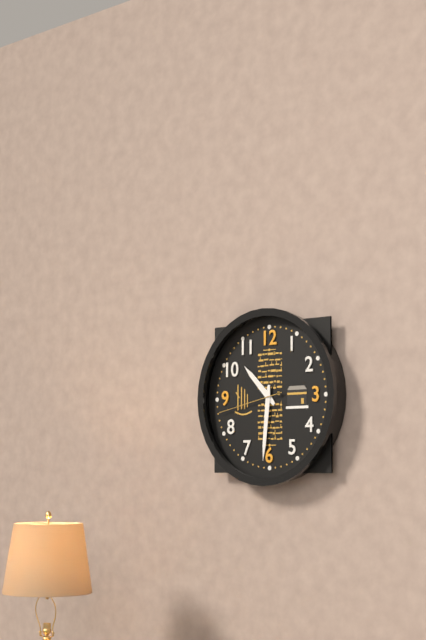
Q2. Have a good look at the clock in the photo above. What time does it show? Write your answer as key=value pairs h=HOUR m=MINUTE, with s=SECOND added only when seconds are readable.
h=10 m=31 s=43
